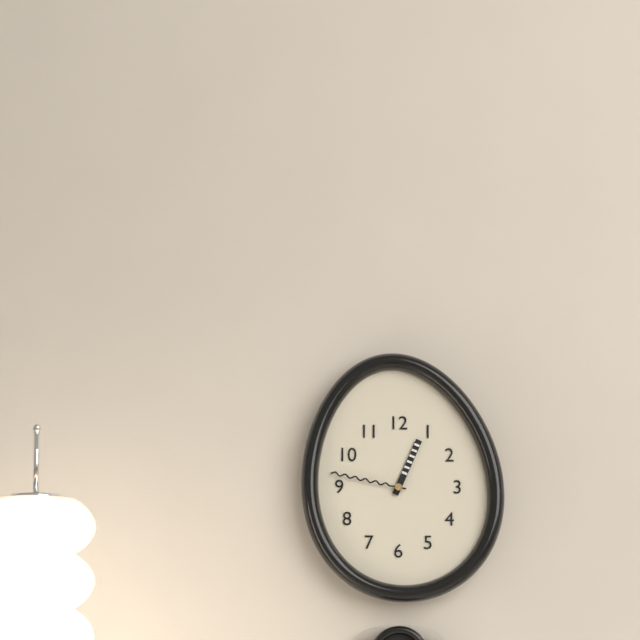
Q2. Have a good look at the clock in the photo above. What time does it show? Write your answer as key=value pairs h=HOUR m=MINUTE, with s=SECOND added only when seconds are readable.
h=12 m=47
